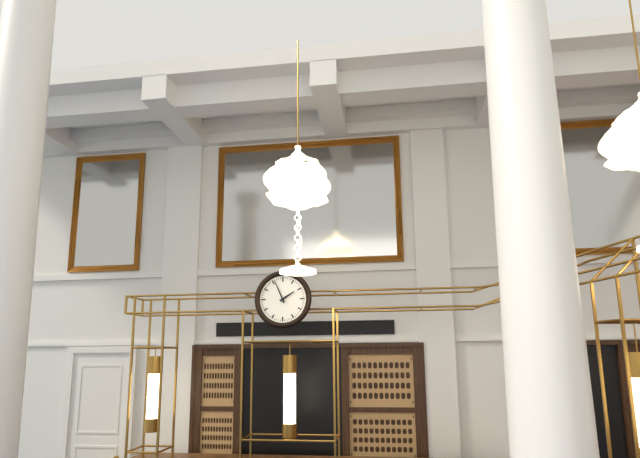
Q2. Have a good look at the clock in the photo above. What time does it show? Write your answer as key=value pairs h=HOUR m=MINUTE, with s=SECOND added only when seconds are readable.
h=1 m=56
